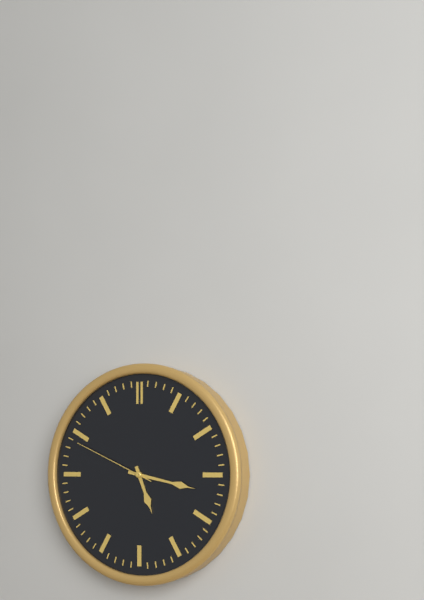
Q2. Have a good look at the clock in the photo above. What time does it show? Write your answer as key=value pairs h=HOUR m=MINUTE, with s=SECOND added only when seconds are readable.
h=5 m=17 s=49
